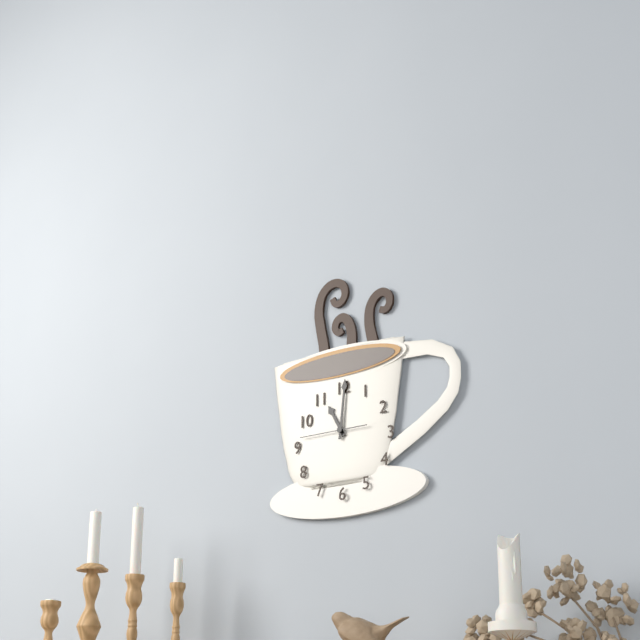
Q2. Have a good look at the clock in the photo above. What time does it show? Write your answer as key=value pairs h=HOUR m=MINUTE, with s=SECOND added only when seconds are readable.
h=11 m=1 s=45
